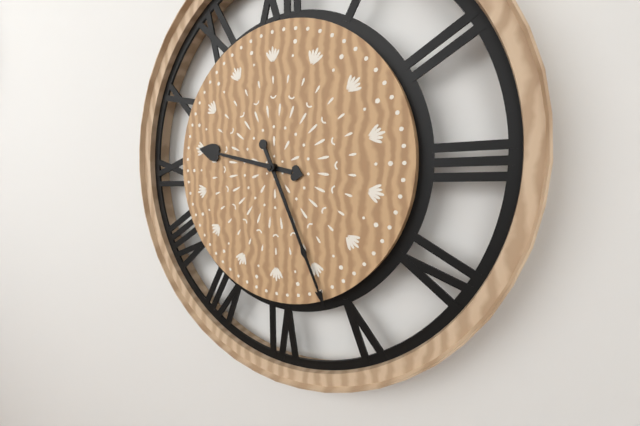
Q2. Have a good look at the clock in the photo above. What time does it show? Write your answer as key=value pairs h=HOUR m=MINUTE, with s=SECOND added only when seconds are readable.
h=9 m=26
